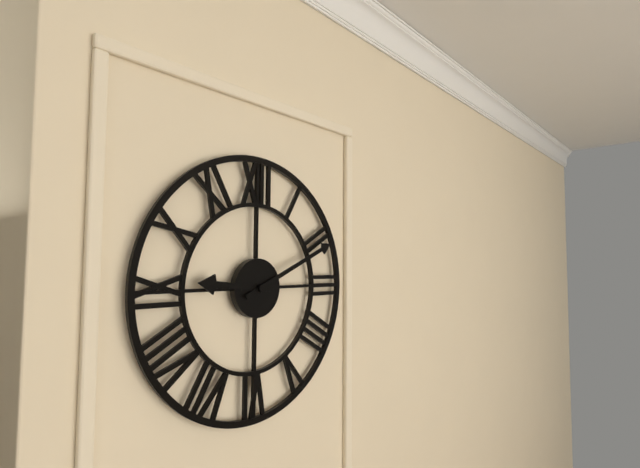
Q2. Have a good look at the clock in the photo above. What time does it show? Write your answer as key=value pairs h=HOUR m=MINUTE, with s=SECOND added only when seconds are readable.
h=9 m=11
